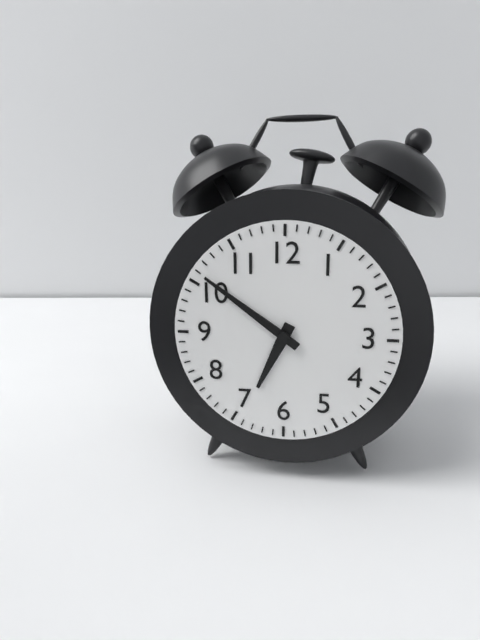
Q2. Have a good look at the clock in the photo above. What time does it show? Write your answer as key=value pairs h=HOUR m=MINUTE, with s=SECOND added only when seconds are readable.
h=6 m=51
